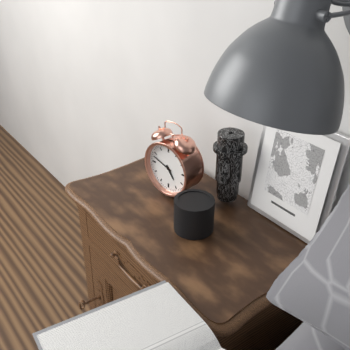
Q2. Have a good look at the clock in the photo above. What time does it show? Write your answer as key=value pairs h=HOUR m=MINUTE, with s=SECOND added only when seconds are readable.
h=4 m=48
